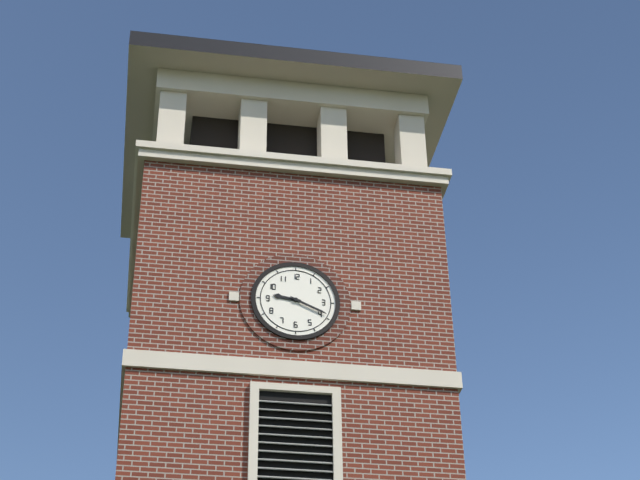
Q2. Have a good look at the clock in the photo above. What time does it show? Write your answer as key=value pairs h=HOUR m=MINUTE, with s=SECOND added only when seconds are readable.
h=9 m=19
